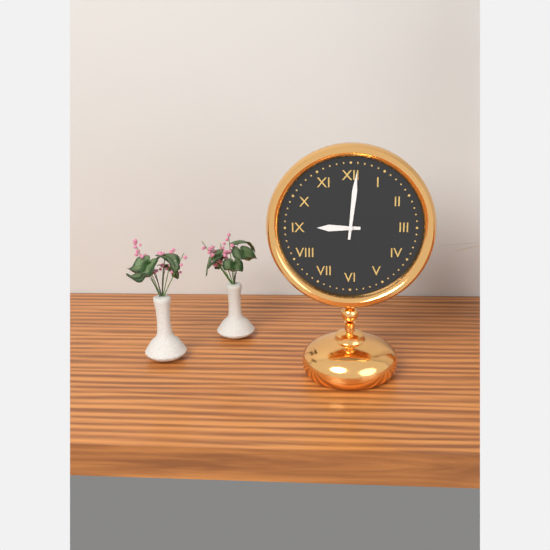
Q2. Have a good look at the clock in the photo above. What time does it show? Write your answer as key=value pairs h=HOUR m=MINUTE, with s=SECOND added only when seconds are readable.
h=9 m=1
